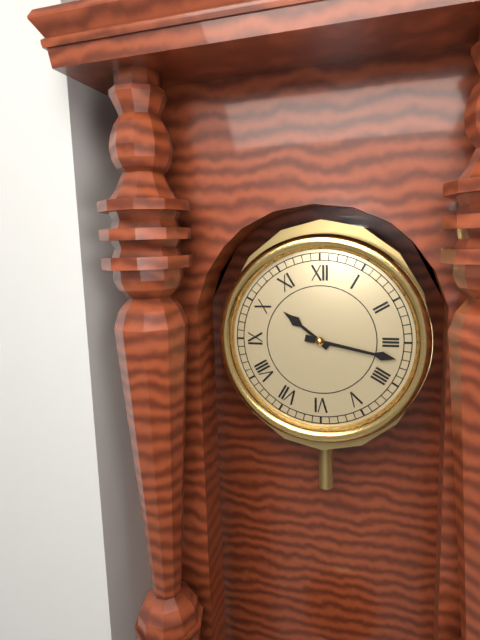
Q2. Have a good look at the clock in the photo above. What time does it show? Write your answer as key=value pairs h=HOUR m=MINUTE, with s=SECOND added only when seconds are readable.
h=10 m=17
